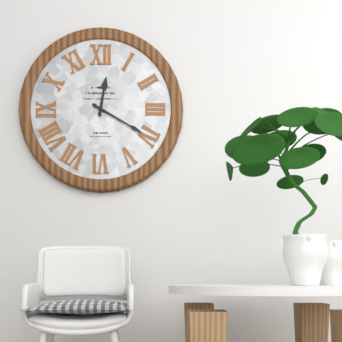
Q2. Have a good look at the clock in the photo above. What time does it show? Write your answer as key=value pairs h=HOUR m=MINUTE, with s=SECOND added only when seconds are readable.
h=12 m=20
